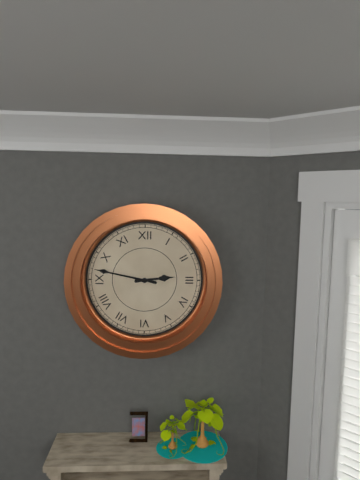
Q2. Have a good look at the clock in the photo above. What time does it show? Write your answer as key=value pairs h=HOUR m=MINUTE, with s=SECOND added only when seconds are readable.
h=2 m=47
